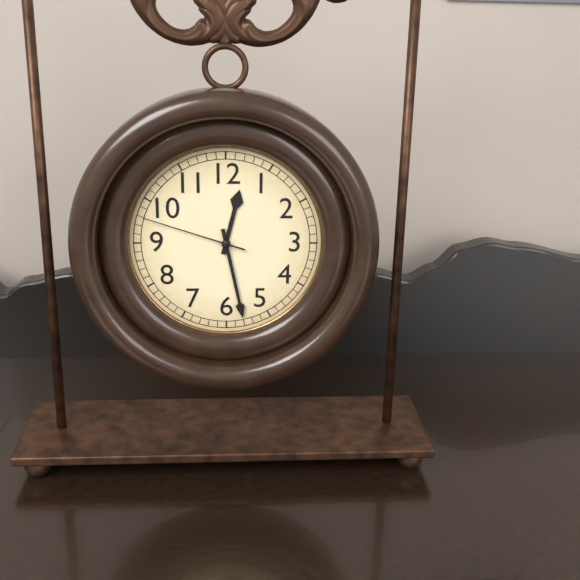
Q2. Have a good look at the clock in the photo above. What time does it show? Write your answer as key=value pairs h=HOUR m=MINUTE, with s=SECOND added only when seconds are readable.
h=12 m=28 s=48
